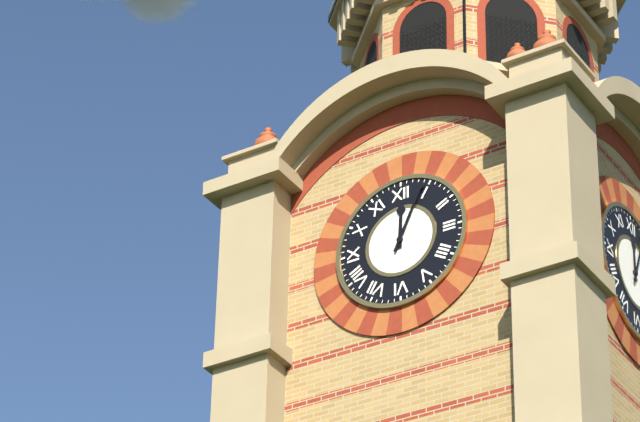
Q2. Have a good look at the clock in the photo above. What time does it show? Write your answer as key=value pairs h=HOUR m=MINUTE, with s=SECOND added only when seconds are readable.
h=12 m=4
